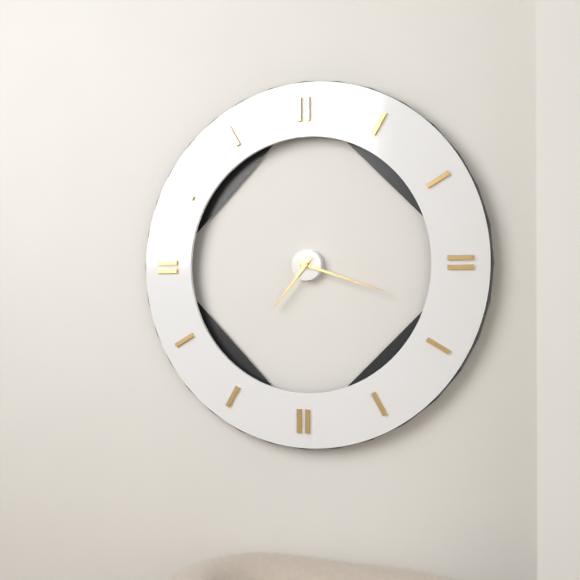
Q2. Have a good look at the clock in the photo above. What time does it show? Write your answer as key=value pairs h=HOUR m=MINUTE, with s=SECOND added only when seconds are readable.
h=7 m=18
